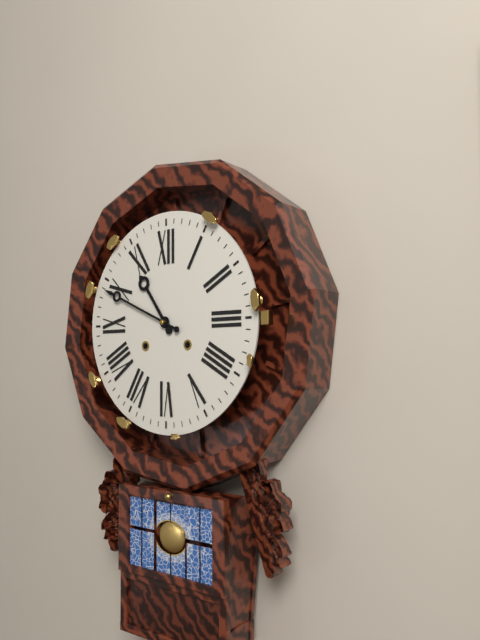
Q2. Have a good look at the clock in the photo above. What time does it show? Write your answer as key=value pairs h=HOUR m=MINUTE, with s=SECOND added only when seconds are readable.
h=10 m=49
